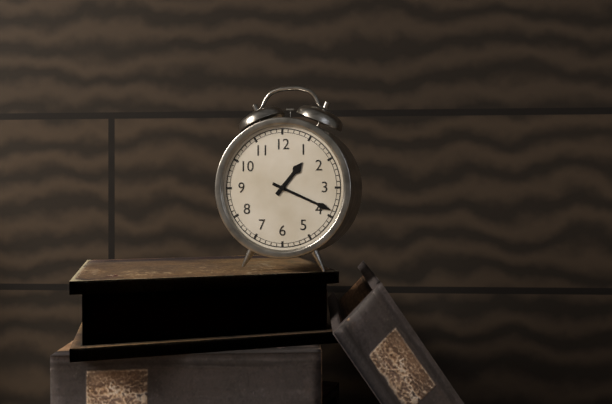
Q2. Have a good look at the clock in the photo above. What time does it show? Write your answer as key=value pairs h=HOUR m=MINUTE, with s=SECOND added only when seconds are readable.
h=1 m=19
